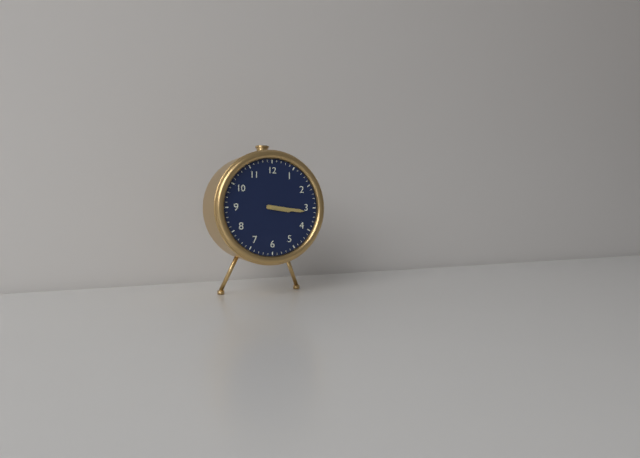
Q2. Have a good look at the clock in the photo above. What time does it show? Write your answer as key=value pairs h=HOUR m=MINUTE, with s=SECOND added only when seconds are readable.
h=3 m=16
